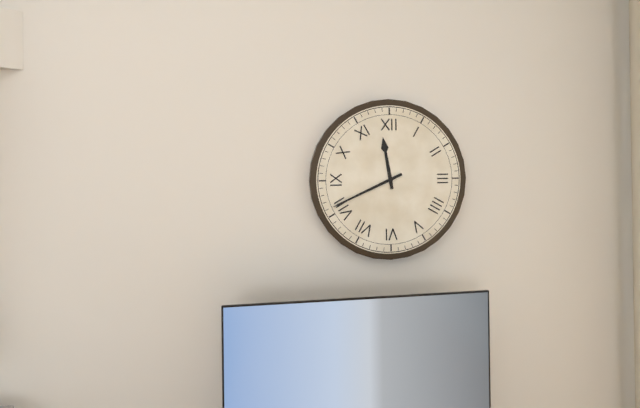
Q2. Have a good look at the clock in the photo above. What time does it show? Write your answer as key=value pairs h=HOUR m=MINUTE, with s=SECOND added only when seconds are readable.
h=11 m=41
